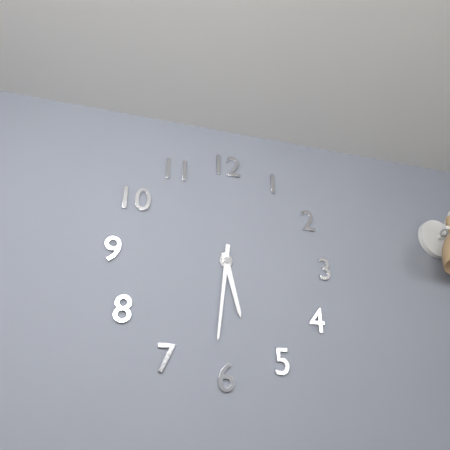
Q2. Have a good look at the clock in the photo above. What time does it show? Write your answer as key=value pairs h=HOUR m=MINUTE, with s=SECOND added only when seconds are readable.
h=5 m=31
